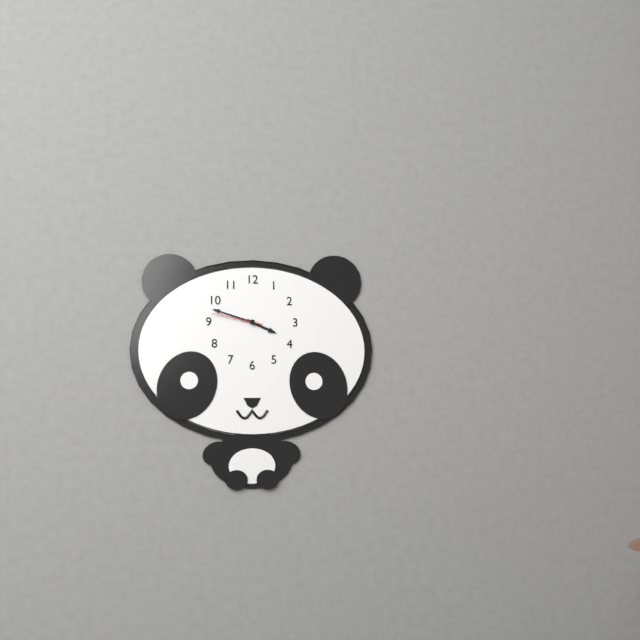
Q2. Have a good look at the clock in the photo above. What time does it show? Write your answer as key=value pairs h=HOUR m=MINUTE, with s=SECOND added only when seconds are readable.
h=3 m=48 s=47
